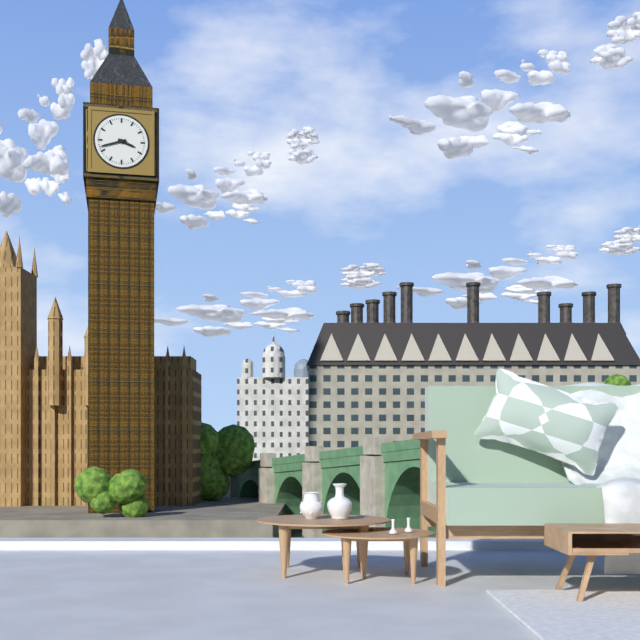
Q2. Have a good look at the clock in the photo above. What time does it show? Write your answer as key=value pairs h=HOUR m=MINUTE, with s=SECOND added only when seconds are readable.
h=3 m=42
